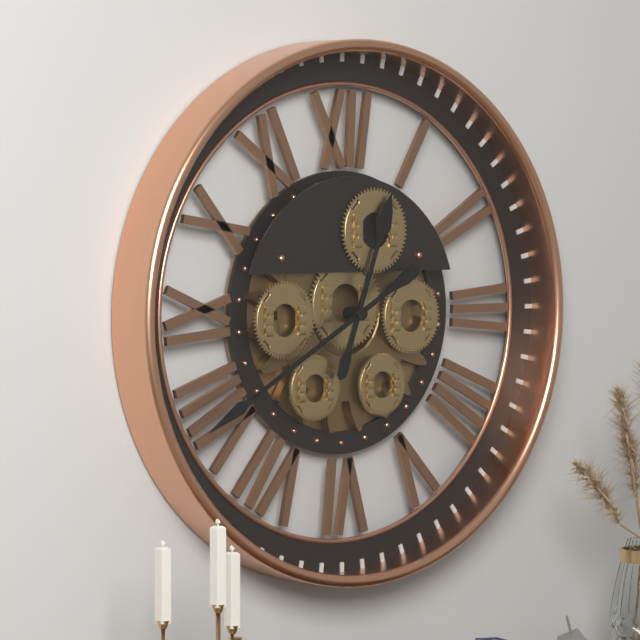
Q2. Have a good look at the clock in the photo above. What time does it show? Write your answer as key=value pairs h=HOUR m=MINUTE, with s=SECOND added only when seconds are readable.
h=12 m=40
